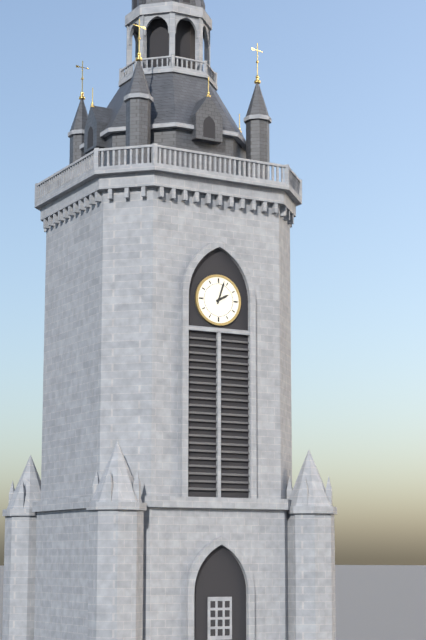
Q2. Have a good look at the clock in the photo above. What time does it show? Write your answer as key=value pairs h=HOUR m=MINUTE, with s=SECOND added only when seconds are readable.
h=2 m=3
